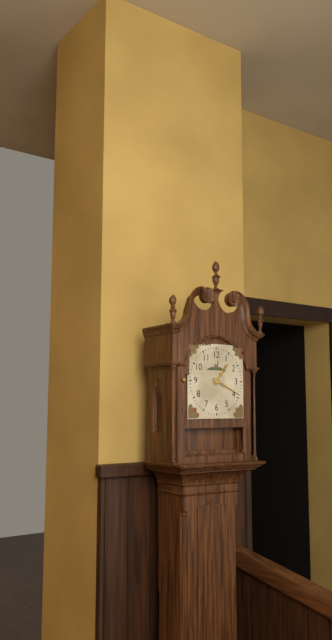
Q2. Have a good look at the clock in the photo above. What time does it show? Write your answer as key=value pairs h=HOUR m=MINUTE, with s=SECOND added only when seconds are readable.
h=1 m=19
